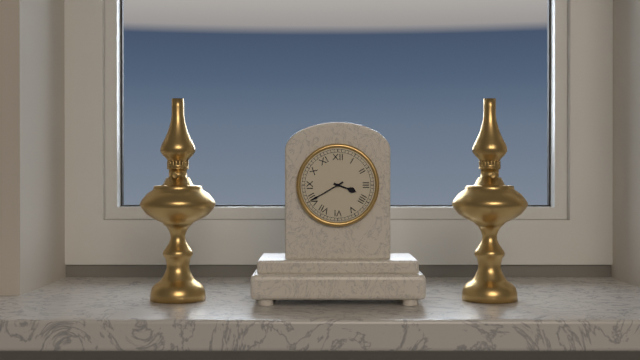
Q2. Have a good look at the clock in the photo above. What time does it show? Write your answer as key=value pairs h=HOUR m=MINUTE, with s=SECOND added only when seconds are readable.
h=3 m=40
